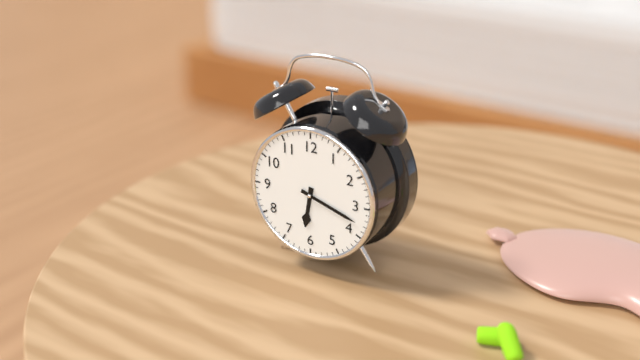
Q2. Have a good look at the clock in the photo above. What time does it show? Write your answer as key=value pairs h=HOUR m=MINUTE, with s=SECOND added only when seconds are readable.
h=6 m=18
